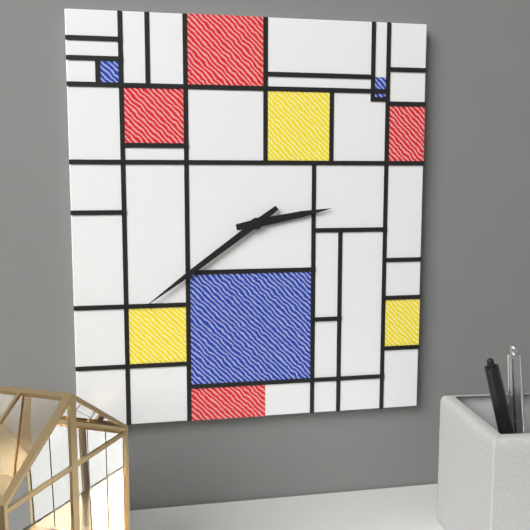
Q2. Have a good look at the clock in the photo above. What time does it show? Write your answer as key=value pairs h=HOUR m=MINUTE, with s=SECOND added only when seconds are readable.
h=2 m=39
